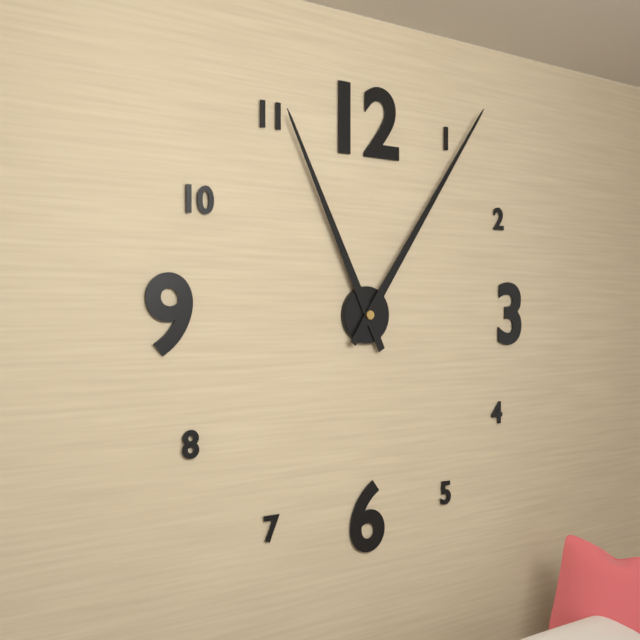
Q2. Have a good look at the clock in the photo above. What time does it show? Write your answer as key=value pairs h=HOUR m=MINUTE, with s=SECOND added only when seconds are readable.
h=11 m=6
